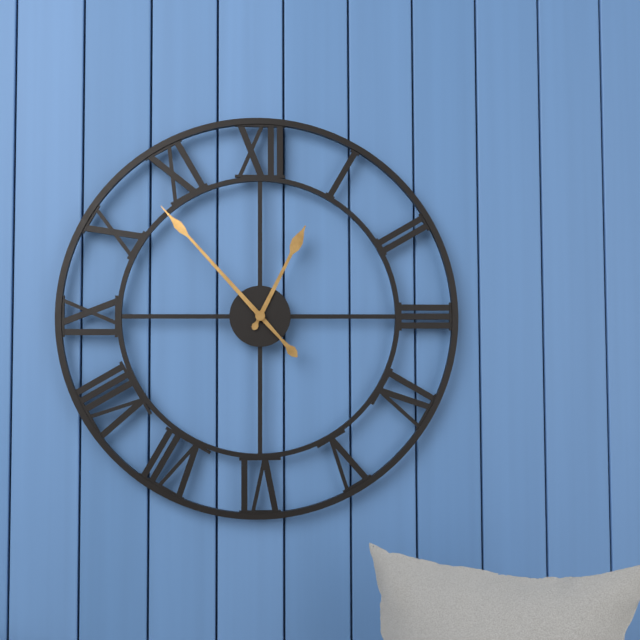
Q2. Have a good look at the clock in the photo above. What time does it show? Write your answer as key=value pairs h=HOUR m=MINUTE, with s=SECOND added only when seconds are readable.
h=12 m=53
